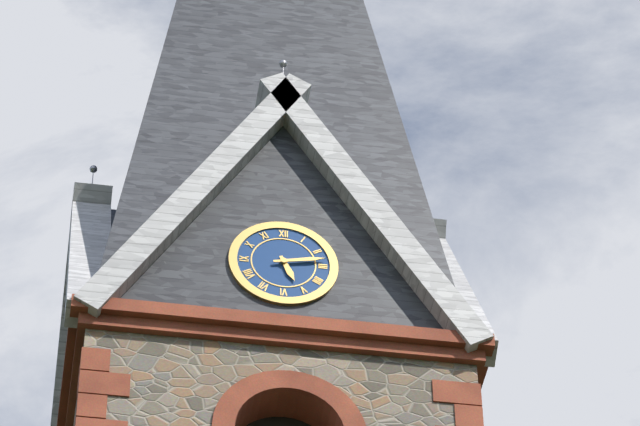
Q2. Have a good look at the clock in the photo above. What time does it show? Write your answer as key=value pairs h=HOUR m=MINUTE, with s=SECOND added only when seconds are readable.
h=5 m=13
